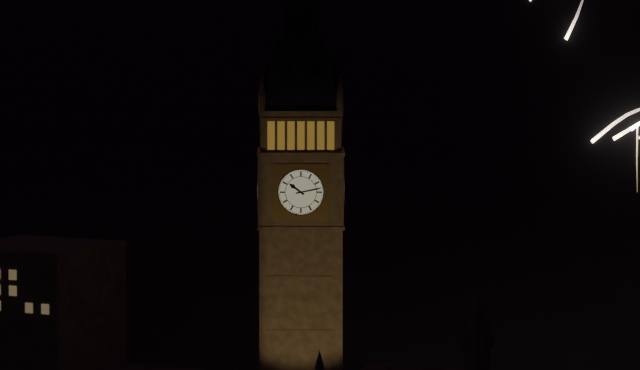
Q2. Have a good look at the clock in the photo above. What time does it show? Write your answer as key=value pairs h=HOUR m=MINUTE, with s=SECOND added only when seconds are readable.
h=10 m=13
